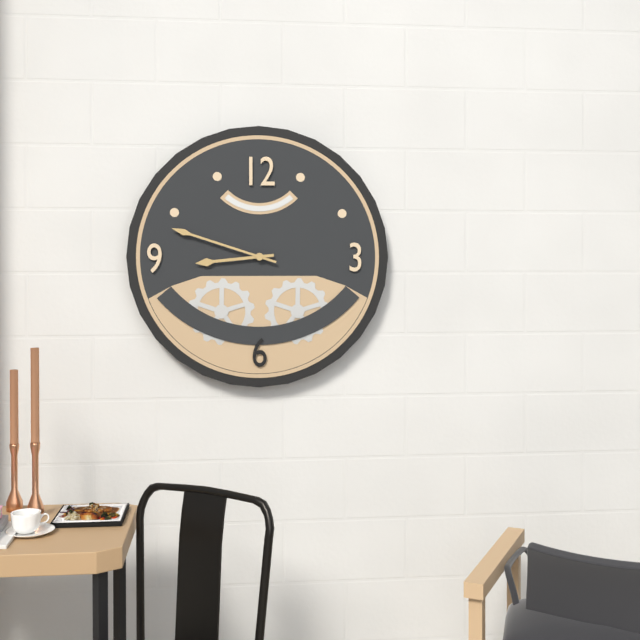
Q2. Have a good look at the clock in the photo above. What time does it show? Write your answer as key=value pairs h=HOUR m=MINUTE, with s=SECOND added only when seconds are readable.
h=8 m=48
